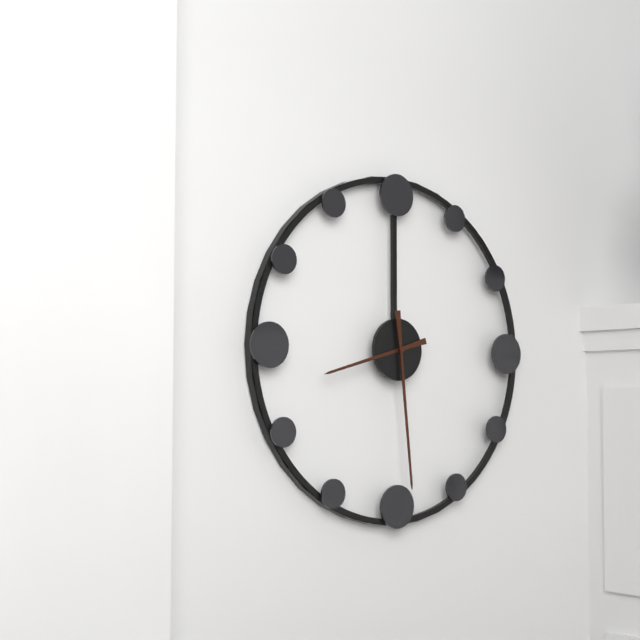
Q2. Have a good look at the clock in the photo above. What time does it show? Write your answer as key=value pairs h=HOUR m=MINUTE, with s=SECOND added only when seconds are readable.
h=8 m=29
